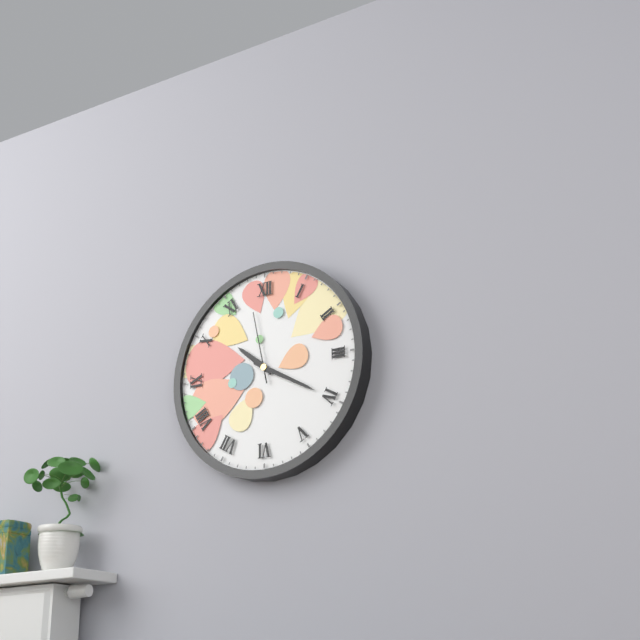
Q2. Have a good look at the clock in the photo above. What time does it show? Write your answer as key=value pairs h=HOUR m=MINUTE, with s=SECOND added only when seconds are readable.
h=10 m=20 s=58
